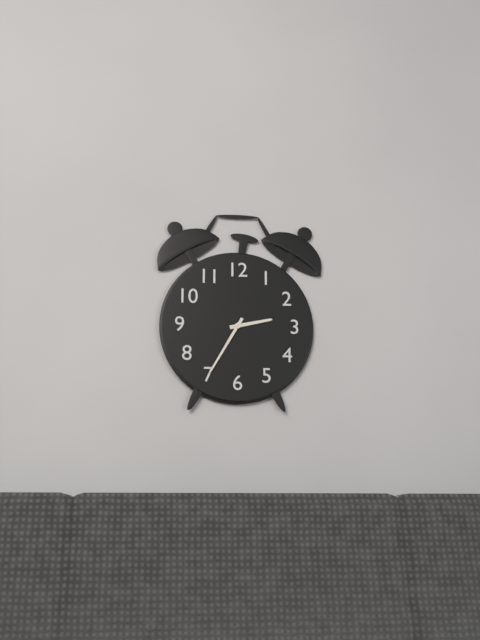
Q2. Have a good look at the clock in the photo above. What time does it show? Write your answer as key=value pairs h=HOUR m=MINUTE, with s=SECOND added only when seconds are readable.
h=2 m=35
